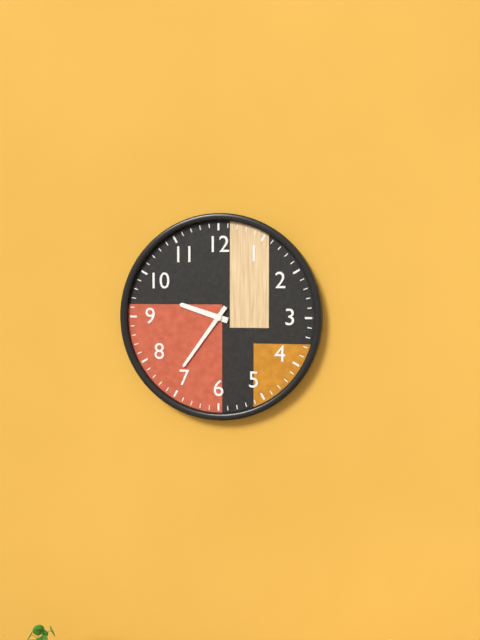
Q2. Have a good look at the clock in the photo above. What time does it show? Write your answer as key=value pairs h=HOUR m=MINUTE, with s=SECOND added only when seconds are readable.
h=9 m=36
